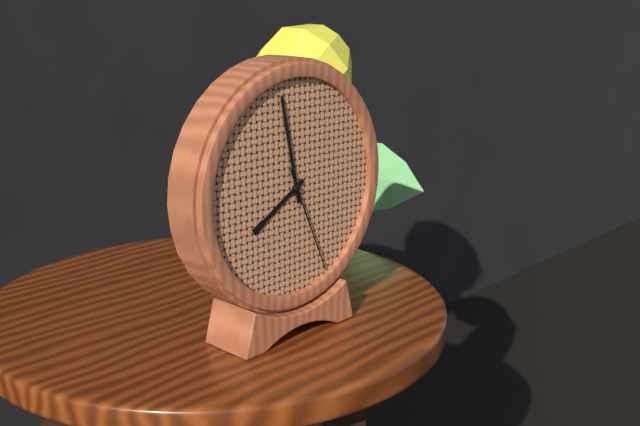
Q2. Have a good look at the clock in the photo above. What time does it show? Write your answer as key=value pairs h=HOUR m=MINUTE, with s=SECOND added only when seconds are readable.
h=7 m=58 s=26
